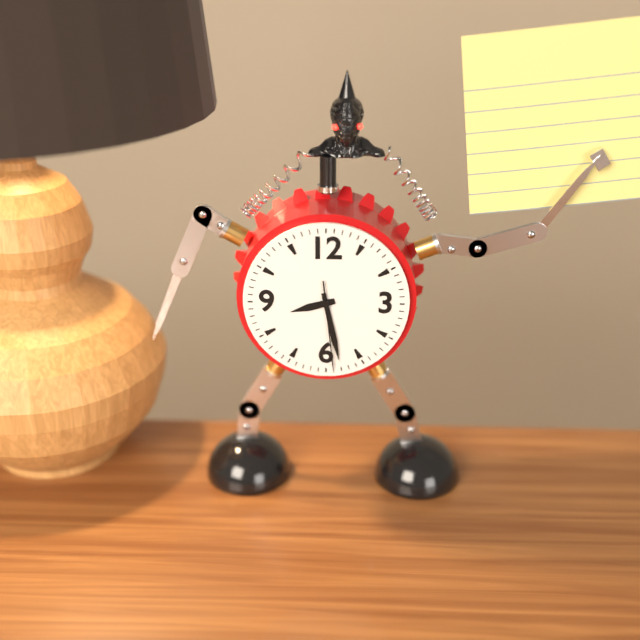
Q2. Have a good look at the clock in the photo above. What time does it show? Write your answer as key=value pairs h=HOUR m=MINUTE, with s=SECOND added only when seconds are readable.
h=8 m=28 s=29
